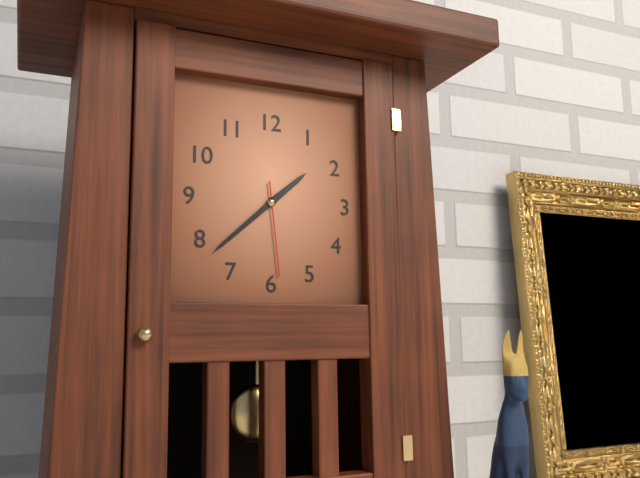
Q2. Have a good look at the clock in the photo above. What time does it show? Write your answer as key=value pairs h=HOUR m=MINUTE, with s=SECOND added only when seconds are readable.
h=1 m=38 s=29
